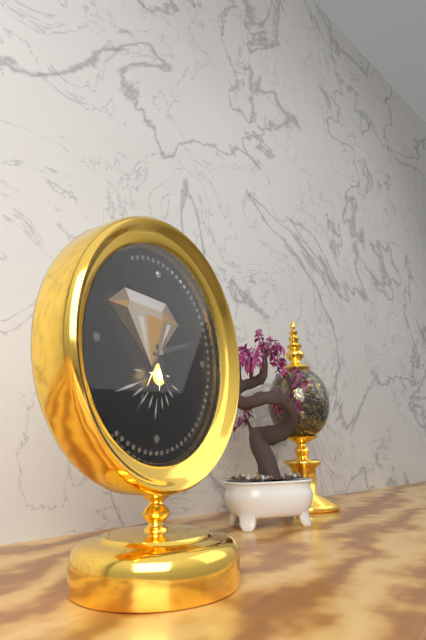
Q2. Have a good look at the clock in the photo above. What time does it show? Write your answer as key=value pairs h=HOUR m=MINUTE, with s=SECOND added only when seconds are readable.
h=5 m=12 s=35
